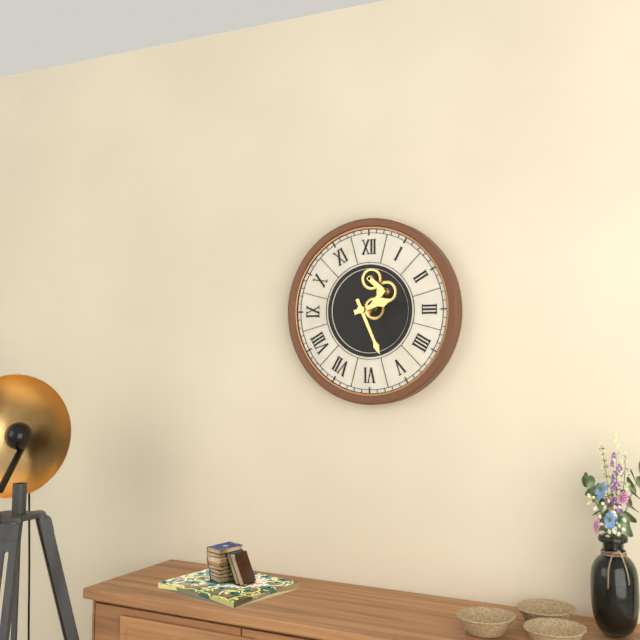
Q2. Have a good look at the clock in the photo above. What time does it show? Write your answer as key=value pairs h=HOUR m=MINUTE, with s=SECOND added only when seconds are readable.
h=2 m=26
